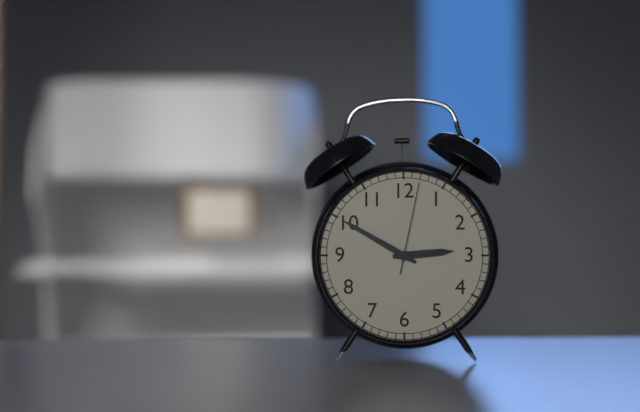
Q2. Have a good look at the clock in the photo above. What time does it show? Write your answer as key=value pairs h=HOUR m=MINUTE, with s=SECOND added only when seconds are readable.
h=2 m=50 s=2
